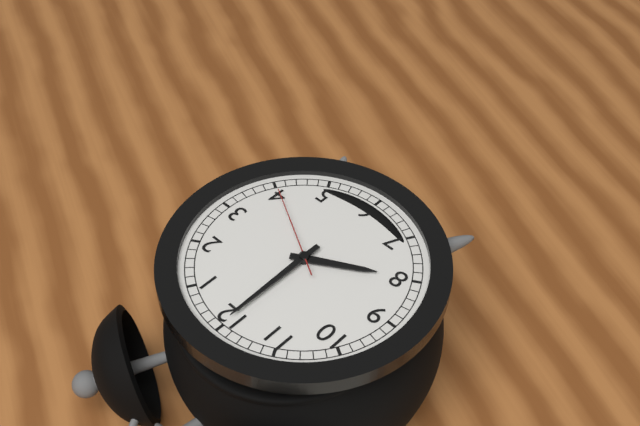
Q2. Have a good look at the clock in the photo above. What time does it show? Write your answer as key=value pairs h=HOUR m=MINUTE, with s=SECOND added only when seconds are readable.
h=8 m=0 s=20
